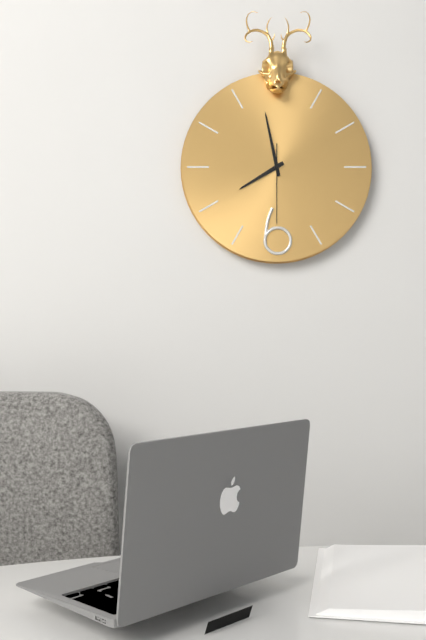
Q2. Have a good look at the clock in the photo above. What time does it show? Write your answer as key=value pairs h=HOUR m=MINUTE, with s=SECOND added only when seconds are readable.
h=7 m=58 s=30
